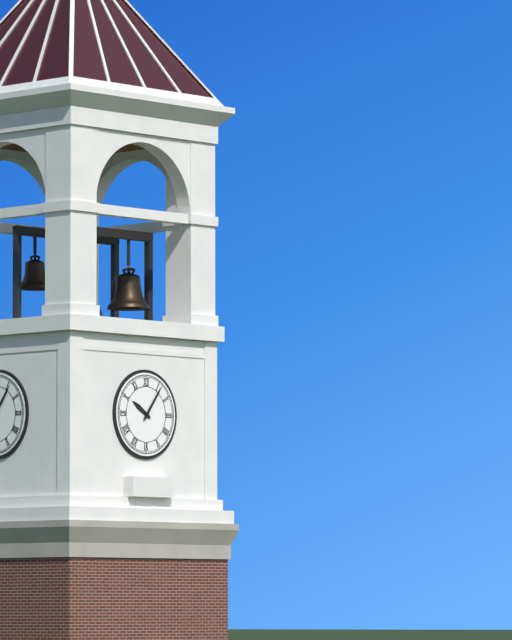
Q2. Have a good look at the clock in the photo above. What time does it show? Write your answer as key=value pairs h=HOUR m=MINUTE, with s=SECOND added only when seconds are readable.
h=10 m=6
